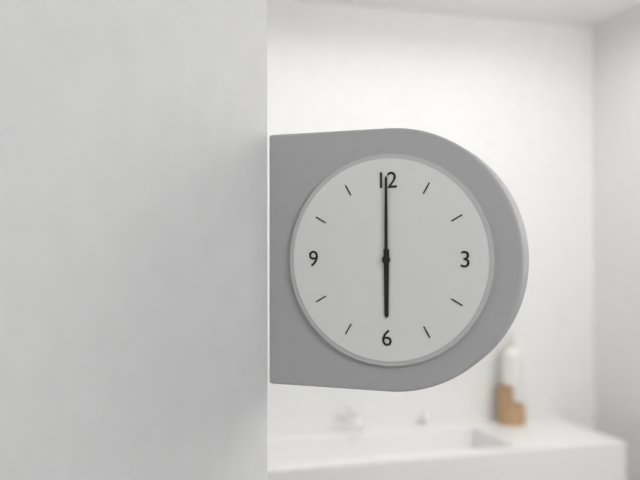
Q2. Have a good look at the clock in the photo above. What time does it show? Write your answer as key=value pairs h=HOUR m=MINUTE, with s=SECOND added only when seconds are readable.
h=6 m=0
